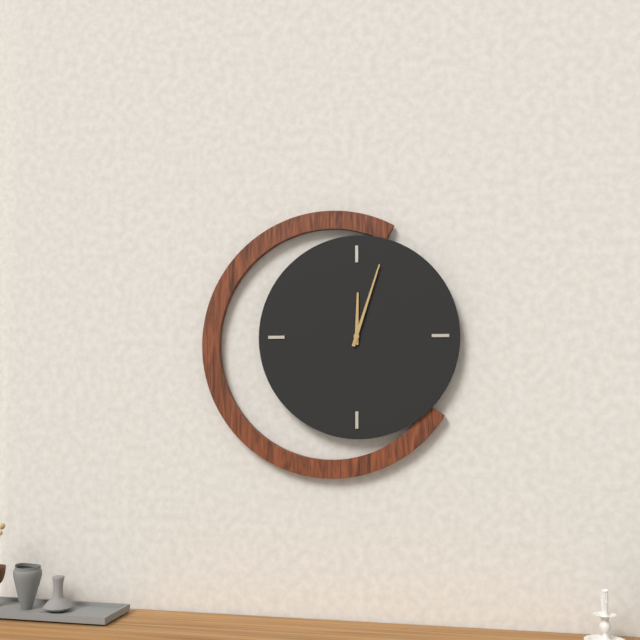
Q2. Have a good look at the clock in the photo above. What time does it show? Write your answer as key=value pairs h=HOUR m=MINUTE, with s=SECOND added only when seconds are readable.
h=12 m=3
